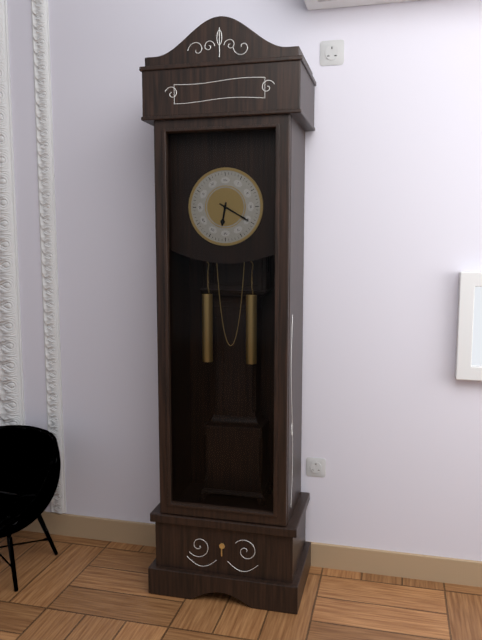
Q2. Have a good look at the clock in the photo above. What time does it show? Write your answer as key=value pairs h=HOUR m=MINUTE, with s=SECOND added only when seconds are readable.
h=6 m=20
